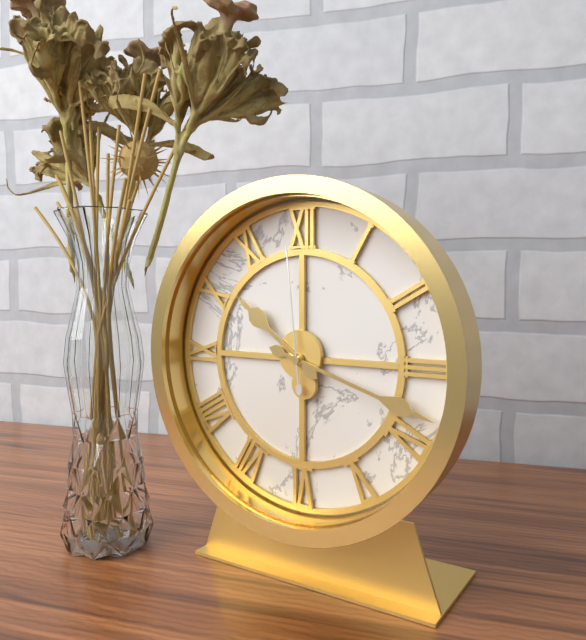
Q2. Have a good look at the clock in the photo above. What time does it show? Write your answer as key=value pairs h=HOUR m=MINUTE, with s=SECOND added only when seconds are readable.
h=10 m=18 s=59
